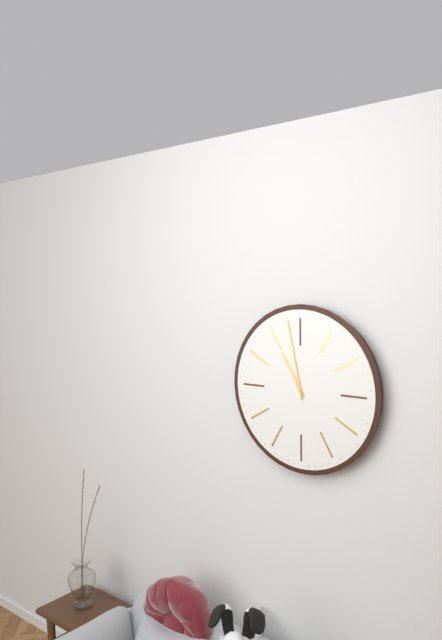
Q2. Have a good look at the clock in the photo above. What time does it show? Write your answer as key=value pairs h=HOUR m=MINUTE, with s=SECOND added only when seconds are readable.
h=10 m=58
